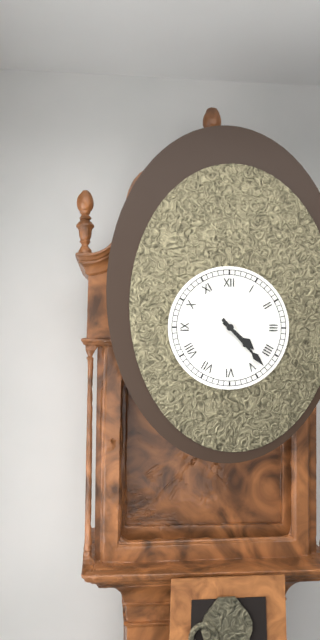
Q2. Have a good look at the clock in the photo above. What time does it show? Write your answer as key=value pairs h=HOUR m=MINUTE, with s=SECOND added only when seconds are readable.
h=4 m=23
